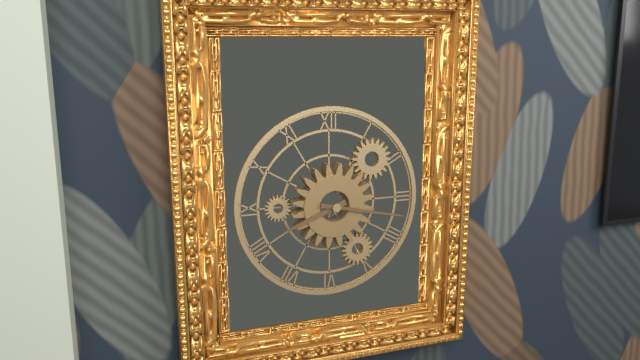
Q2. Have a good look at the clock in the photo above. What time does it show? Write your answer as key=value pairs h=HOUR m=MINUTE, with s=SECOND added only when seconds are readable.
h=8 m=17
